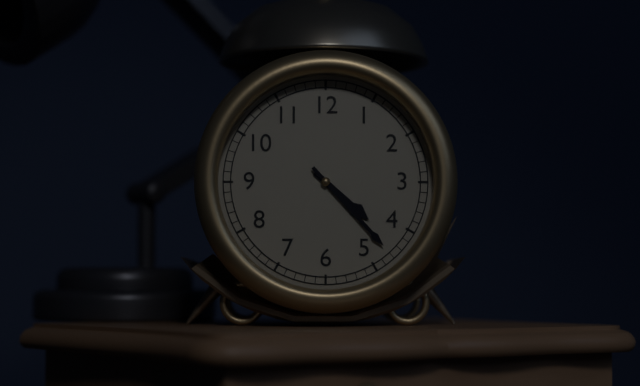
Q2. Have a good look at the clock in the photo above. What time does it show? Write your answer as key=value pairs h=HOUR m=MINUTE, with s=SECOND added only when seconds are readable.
h=4 m=23
